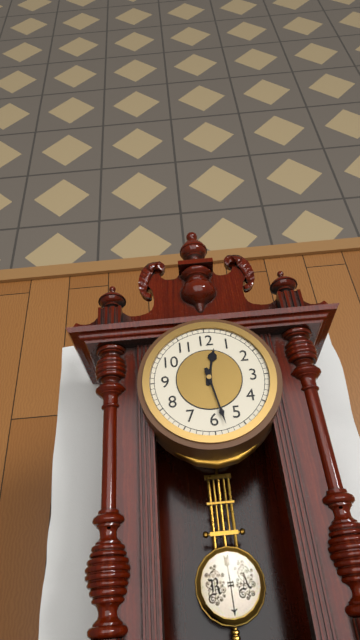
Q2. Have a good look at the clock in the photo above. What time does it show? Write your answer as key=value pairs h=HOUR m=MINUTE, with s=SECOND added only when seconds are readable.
h=12 m=28
